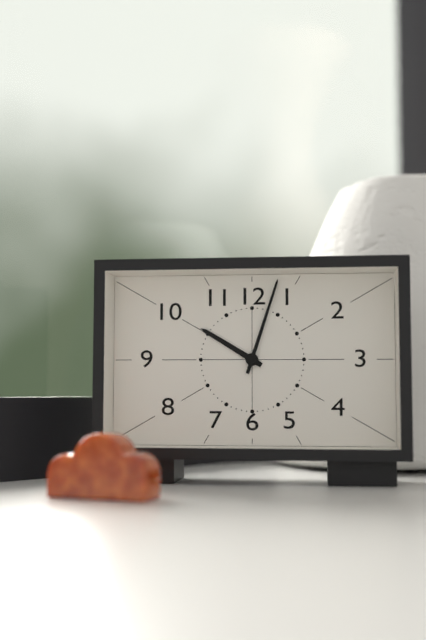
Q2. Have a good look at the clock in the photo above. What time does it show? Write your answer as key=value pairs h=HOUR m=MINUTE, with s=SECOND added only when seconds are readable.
h=10 m=3
